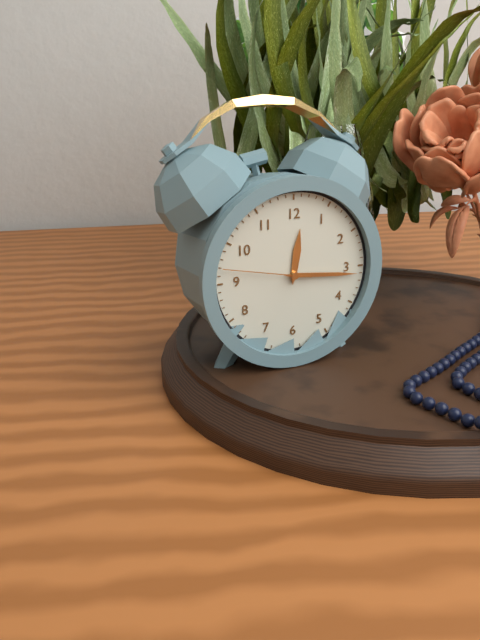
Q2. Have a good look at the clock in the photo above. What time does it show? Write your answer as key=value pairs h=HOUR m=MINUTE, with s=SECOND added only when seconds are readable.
h=12 m=16 s=47
